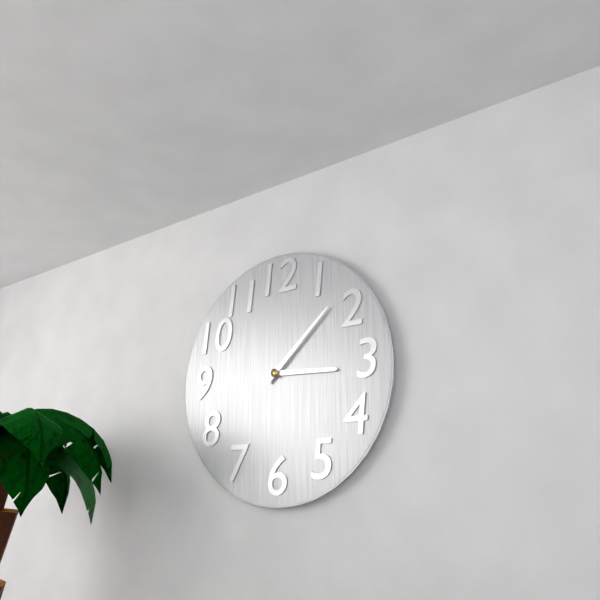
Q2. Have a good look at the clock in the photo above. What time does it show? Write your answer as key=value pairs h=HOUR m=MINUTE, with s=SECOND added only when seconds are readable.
h=3 m=8
